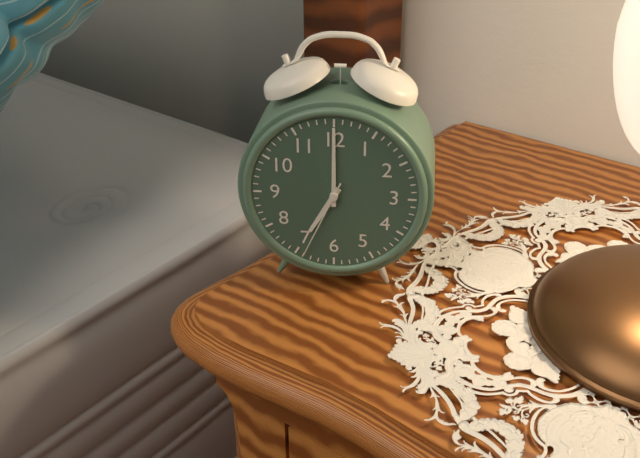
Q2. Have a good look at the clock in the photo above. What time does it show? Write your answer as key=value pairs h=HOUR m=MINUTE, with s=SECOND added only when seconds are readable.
h=7 m=0 s=34
